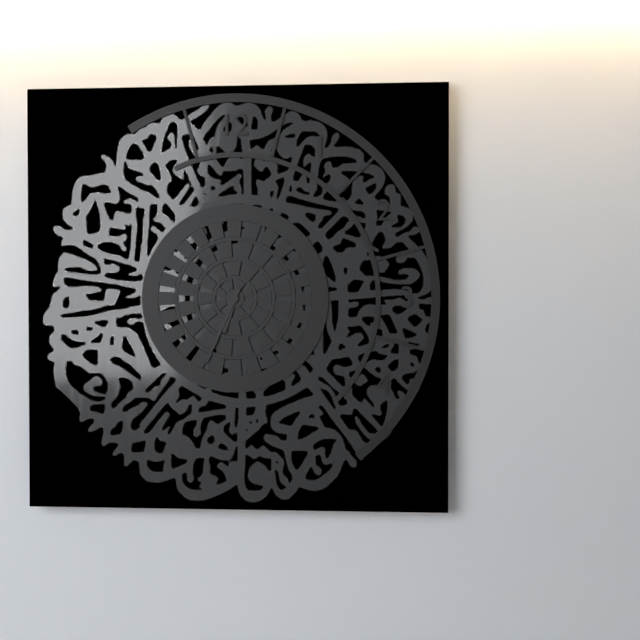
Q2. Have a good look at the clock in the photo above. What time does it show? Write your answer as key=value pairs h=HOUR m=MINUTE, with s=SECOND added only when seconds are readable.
h=6 m=34
